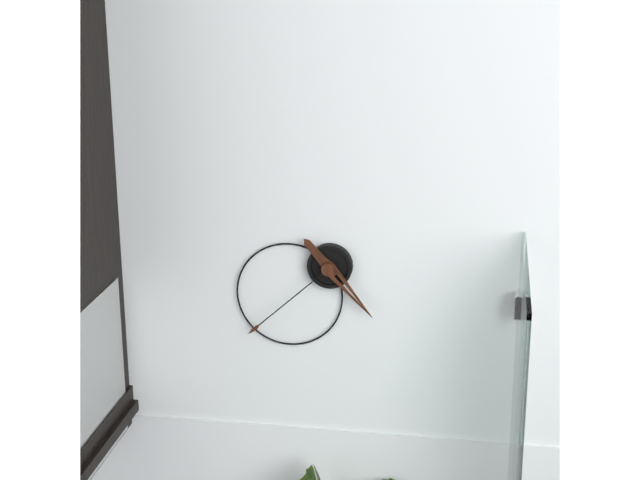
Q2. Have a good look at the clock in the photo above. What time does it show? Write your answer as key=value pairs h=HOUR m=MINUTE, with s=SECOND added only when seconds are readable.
h=4 m=38
